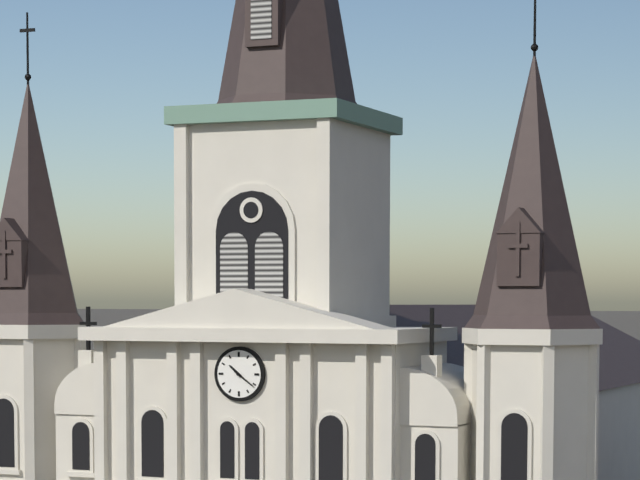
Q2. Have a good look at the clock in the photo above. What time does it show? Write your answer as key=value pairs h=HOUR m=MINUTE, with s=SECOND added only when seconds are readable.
h=10 m=21
